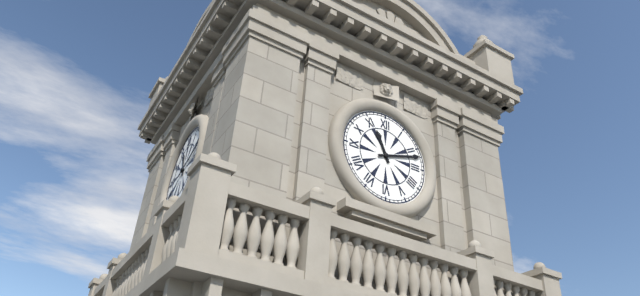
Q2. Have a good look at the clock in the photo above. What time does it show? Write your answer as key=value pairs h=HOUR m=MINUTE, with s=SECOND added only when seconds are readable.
h=11 m=12
